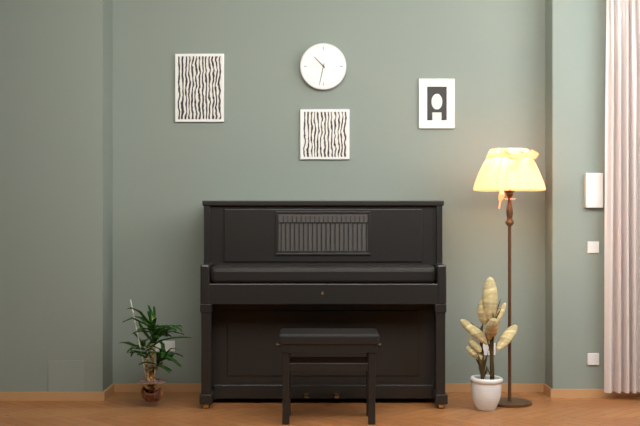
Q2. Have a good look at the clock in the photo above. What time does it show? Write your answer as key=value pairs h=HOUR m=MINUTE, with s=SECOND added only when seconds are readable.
h=10 m=32
